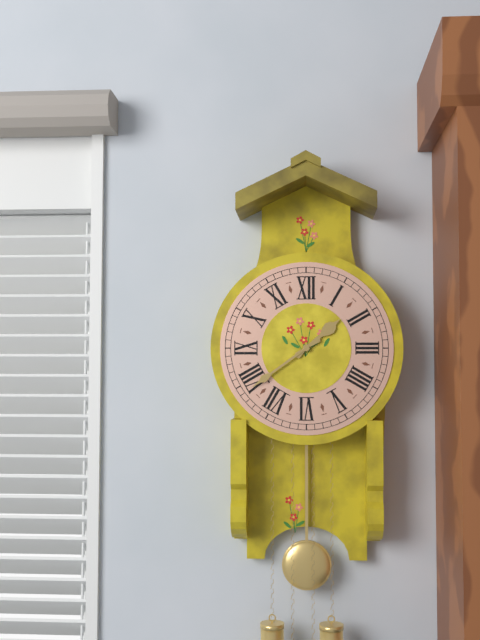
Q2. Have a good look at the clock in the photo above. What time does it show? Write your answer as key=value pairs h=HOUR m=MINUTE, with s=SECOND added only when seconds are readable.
h=1 m=39
